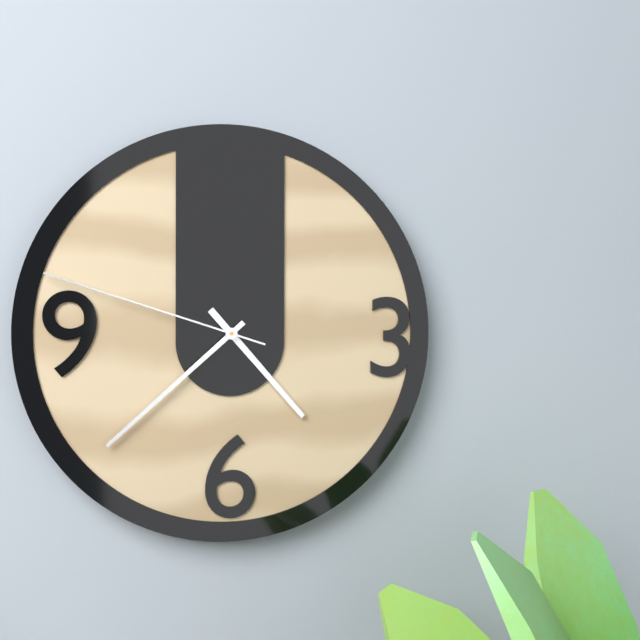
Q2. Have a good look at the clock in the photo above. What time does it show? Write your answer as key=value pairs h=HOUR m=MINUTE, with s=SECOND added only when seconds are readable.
h=4 m=38 s=48
